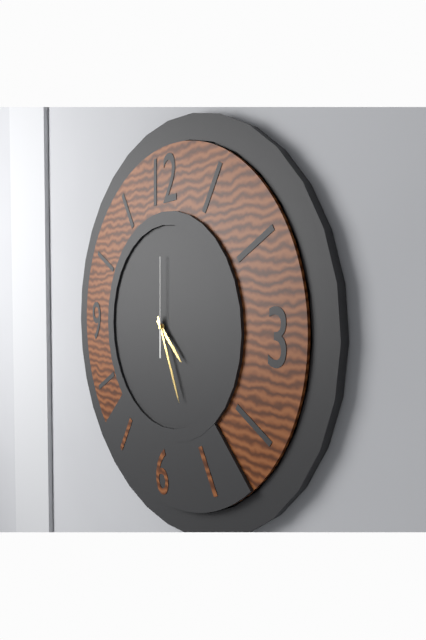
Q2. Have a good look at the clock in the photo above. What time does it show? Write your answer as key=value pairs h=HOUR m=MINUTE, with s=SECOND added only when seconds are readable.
h=4 m=26 s=0
